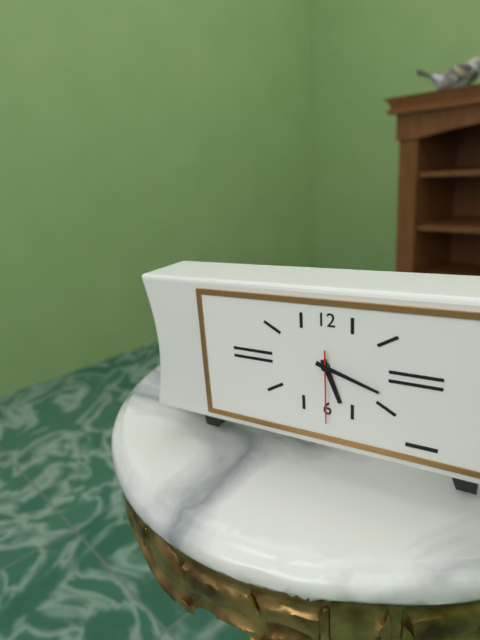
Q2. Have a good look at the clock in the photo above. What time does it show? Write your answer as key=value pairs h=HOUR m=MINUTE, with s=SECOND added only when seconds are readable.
h=5 m=18 s=30
